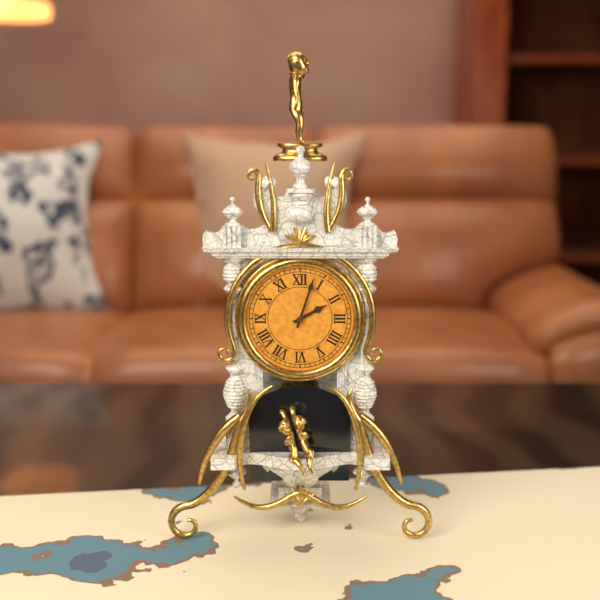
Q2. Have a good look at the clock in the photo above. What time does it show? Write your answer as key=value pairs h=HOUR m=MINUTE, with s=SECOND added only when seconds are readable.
h=2 m=3
